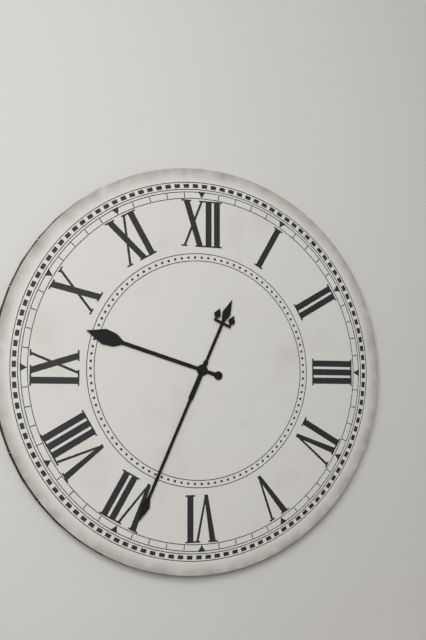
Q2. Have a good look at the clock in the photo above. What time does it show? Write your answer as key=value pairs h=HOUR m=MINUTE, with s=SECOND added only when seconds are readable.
h=9 m=34
